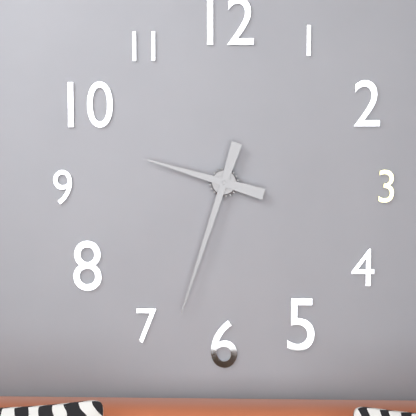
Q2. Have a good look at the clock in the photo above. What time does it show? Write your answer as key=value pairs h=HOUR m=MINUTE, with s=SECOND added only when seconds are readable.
h=9 m=33
